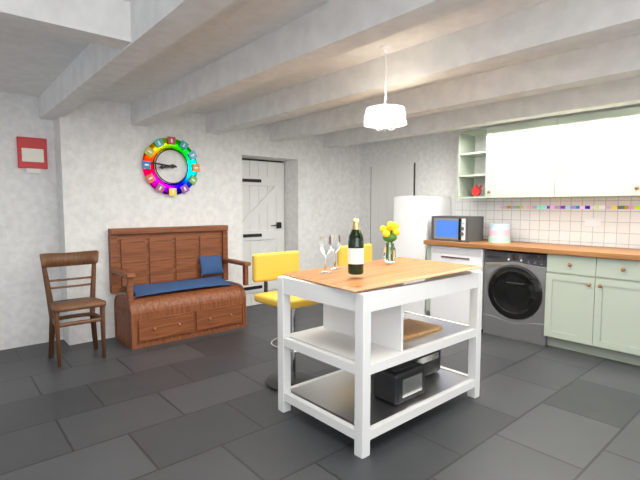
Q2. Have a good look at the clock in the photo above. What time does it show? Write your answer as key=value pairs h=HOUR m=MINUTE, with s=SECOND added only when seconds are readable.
h=8 m=46
